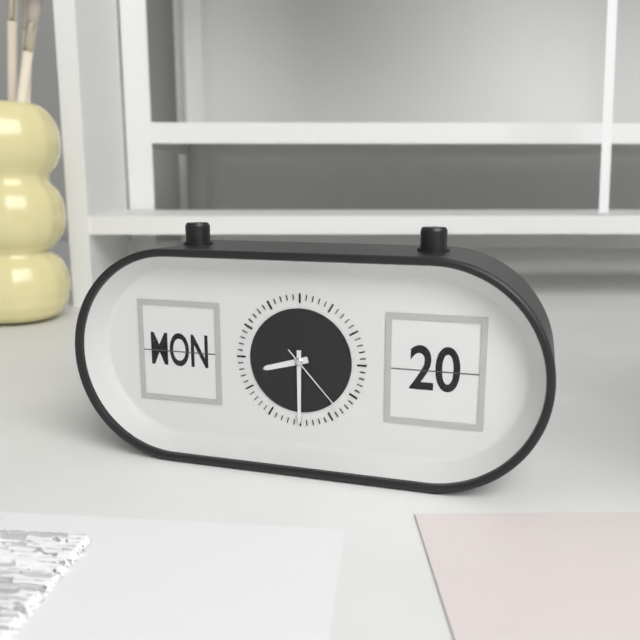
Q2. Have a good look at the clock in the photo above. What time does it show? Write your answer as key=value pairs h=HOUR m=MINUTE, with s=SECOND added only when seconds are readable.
h=8 m=30 s=23
